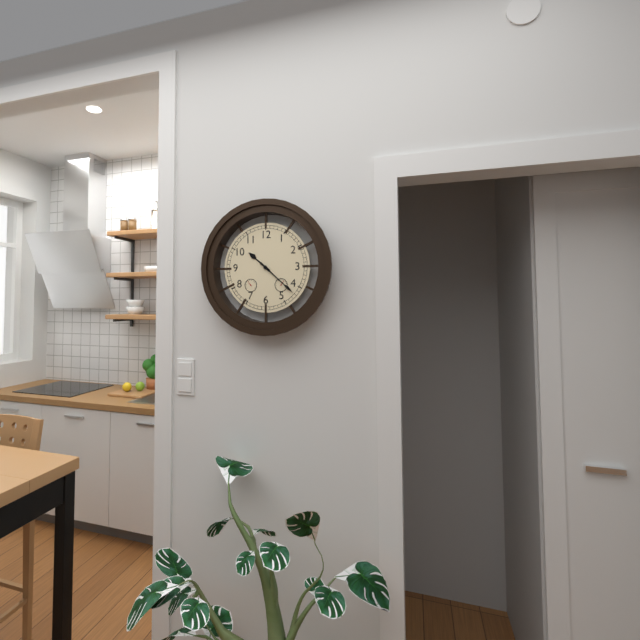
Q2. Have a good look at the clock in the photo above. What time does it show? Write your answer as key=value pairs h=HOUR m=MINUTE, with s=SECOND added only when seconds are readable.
h=10 m=22
